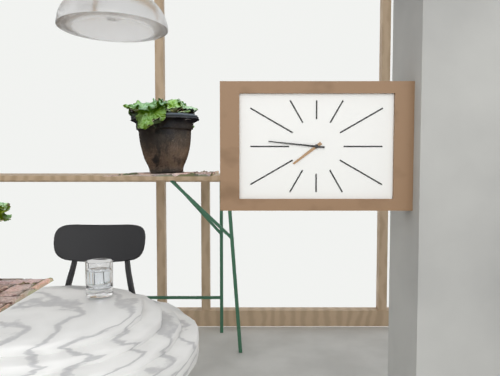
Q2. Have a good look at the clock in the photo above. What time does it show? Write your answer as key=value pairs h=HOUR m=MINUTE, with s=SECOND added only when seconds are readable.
h=7 m=46
